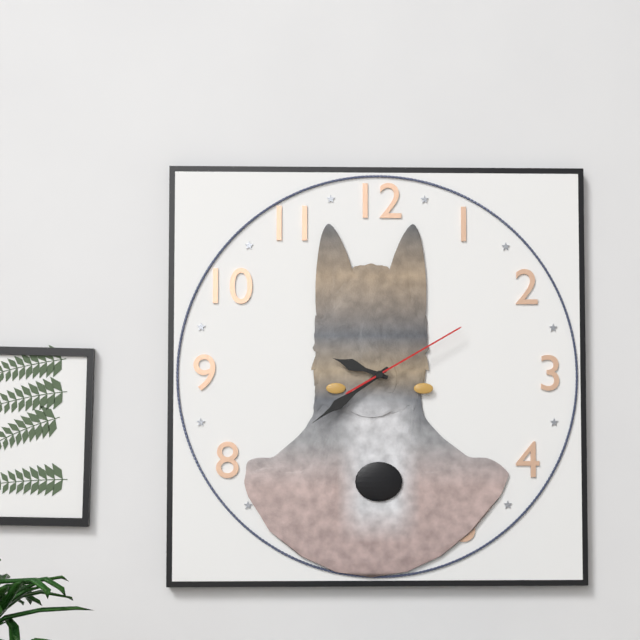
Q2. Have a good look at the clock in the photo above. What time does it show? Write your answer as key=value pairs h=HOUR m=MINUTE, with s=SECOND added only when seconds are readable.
h=9 m=39 s=10
